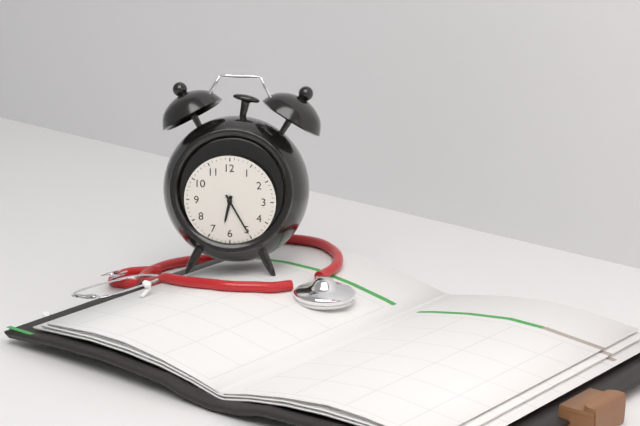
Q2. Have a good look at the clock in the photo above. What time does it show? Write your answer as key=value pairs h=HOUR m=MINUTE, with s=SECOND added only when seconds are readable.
h=6 m=25
